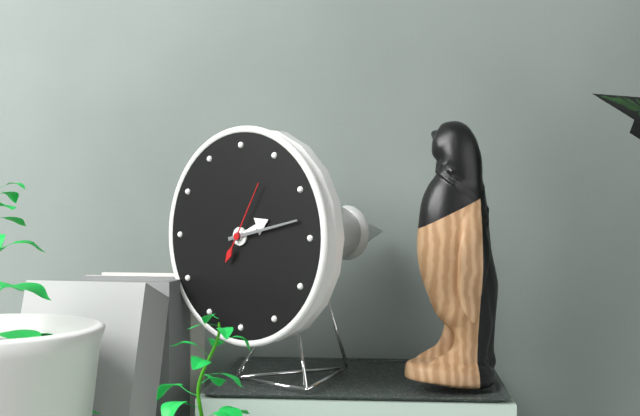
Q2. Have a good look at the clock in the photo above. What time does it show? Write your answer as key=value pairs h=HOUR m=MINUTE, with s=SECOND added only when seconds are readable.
h=2 m=13 s=5
